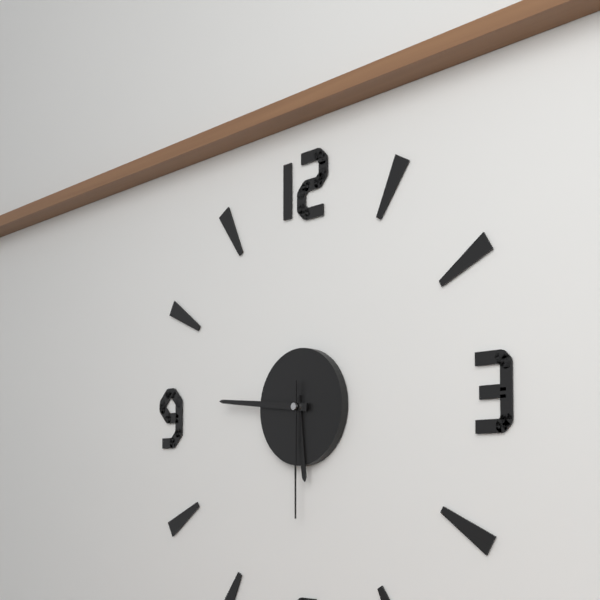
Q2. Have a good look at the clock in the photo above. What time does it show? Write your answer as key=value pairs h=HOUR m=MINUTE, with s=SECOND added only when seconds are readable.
h=5 m=46 s=30
